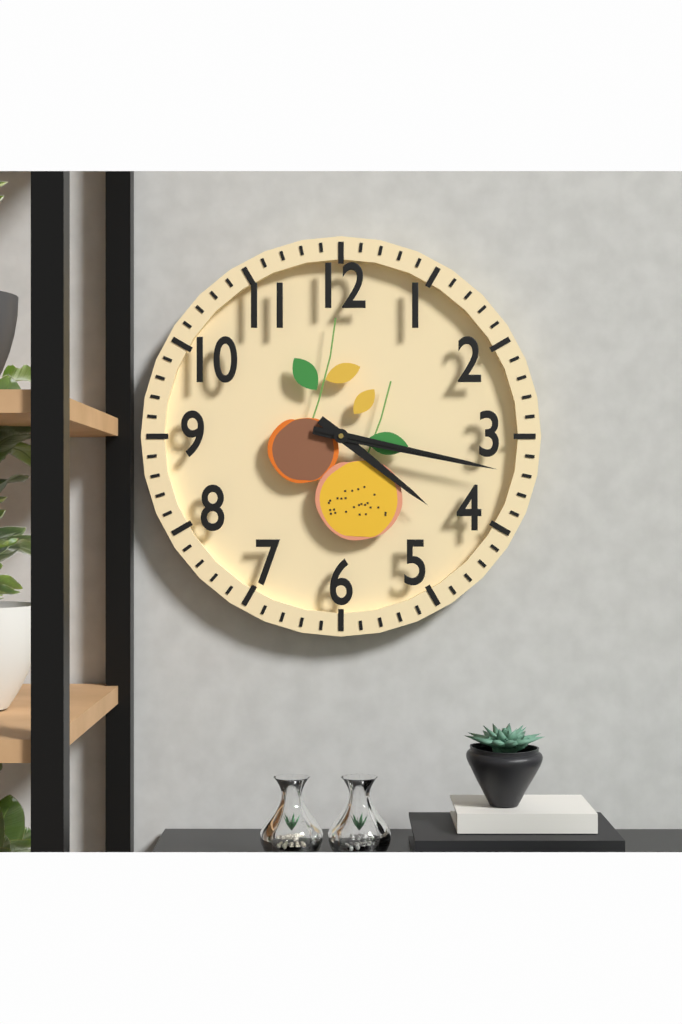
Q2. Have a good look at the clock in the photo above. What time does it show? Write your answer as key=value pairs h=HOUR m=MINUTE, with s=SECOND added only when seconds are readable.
h=4 m=17 s=17
